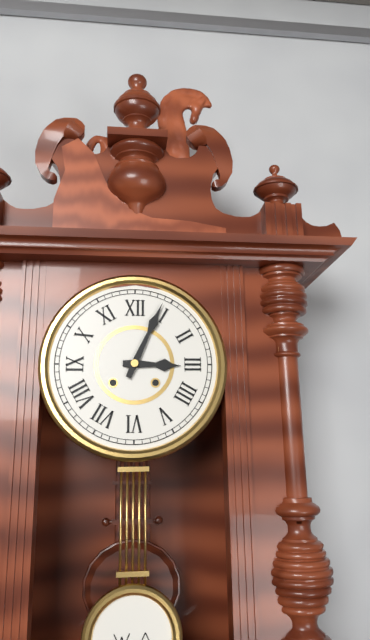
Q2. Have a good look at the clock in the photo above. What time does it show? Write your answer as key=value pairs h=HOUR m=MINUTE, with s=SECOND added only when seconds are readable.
h=3 m=4
